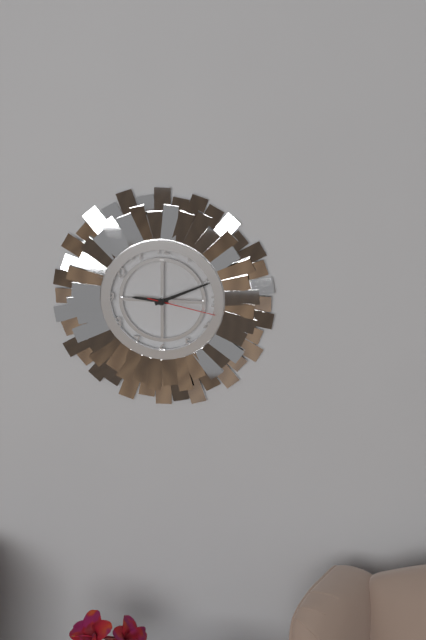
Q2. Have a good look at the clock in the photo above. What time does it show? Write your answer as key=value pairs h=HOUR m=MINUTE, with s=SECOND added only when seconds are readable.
h=9 m=11 s=17
